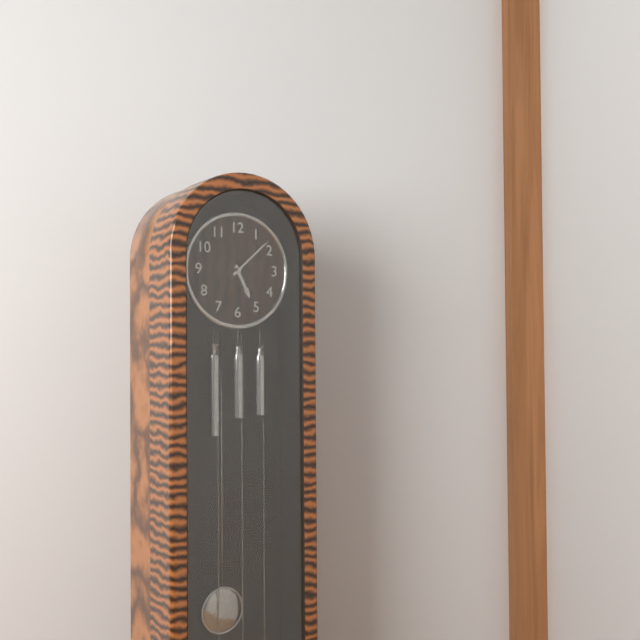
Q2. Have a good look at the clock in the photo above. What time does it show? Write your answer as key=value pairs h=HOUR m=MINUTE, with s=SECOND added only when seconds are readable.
h=5 m=8
